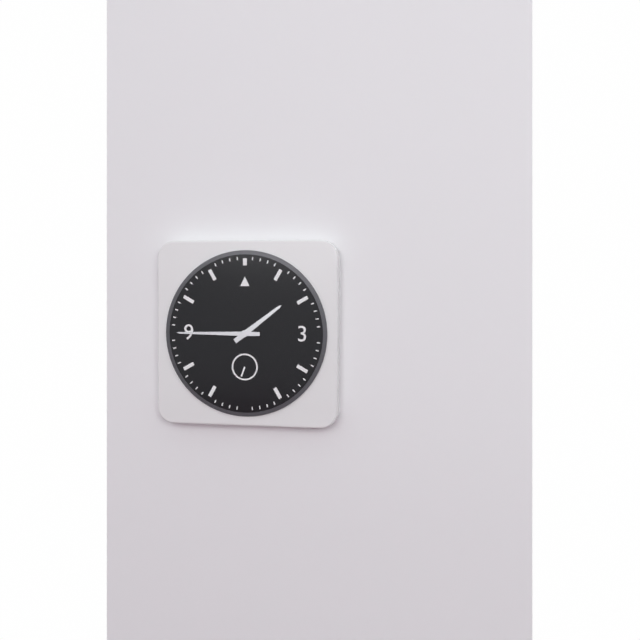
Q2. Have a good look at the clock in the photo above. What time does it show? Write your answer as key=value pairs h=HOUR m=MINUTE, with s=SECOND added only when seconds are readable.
h=1 m=45
